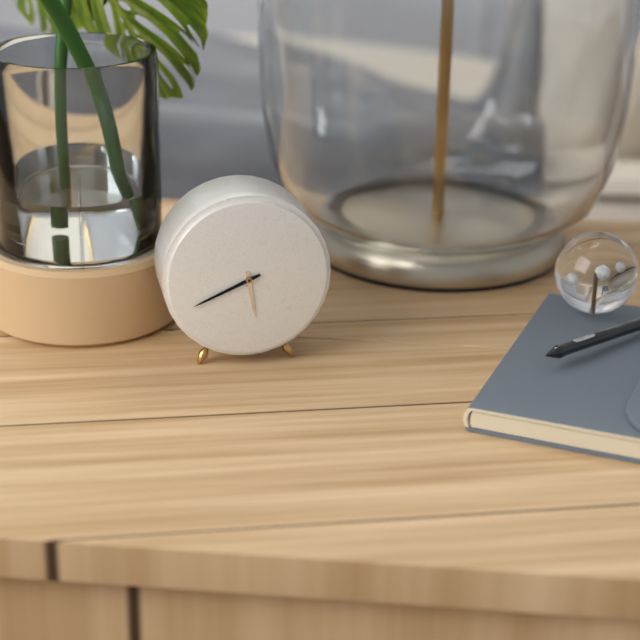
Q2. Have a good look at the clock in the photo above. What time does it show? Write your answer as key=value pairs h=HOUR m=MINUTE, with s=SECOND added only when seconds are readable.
h=5 m=41
